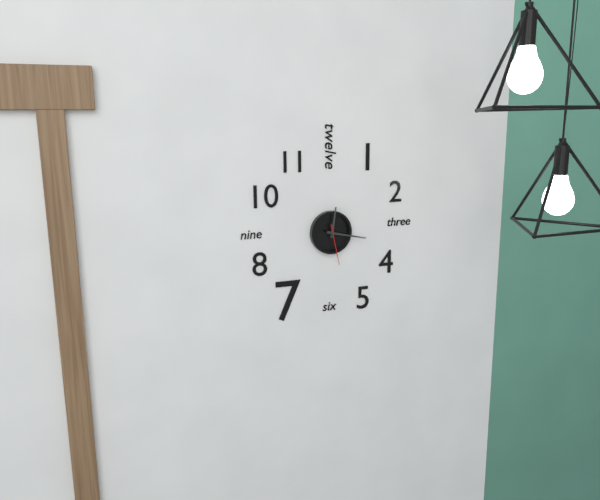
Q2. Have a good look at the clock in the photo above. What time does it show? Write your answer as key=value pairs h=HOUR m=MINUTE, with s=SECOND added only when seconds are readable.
h=12 m=17
